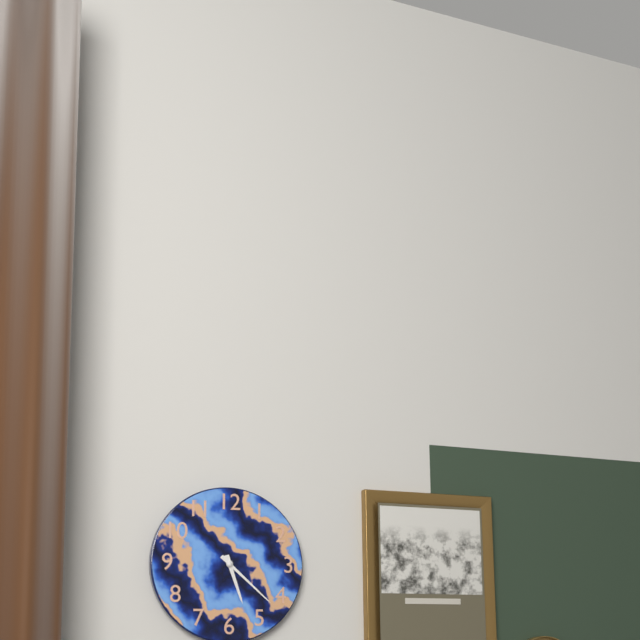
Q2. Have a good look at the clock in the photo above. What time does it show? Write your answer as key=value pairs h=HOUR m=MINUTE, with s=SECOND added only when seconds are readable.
h=5 m=22
